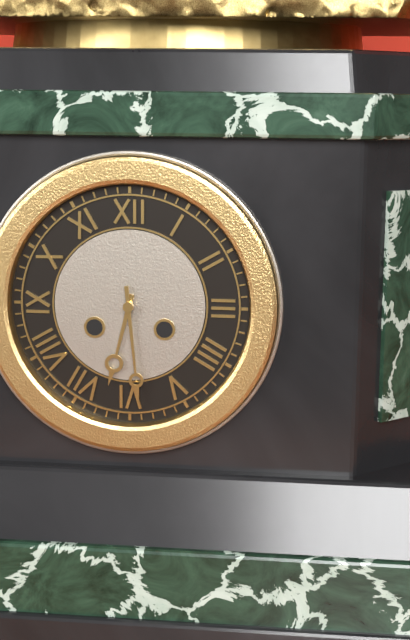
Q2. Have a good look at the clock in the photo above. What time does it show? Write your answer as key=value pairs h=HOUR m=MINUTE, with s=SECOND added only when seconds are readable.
h=6 m=29
